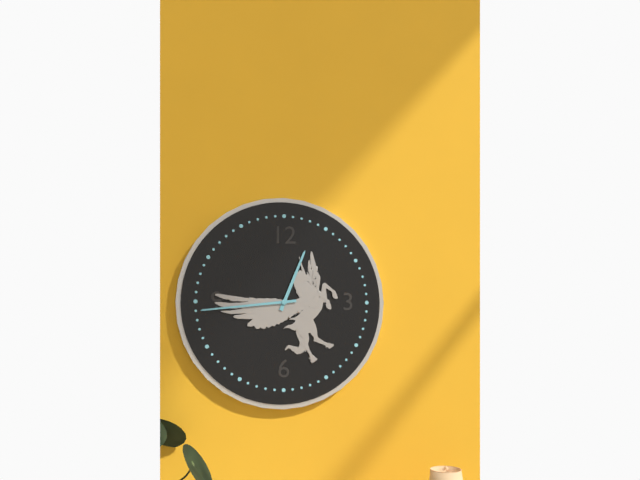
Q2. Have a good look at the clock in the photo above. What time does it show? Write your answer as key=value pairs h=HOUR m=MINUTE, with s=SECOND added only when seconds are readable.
h=12 m=44
